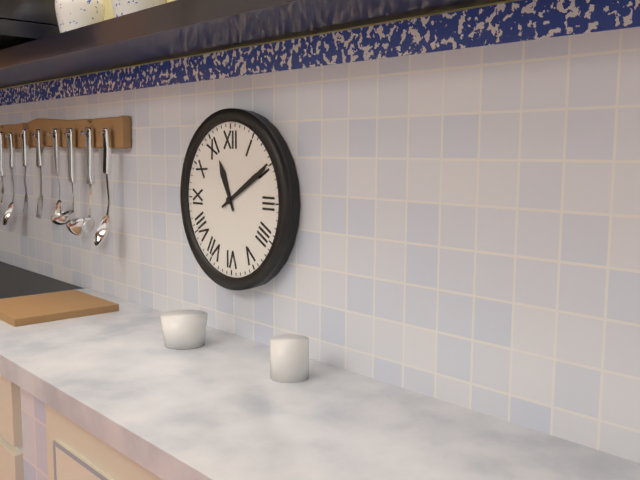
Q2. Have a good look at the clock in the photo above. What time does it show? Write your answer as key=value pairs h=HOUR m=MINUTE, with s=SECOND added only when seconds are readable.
h=11 m=10
